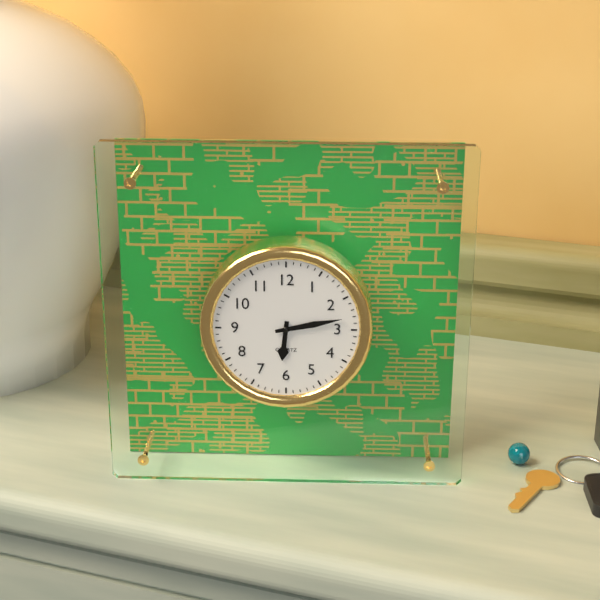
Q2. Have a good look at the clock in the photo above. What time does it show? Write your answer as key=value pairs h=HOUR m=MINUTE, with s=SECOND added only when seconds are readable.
h=6 m=13
